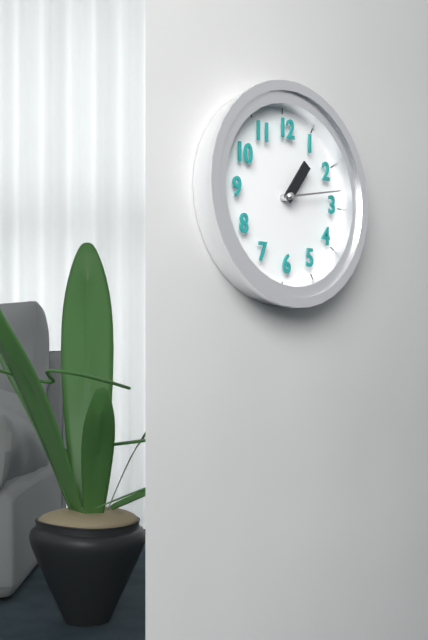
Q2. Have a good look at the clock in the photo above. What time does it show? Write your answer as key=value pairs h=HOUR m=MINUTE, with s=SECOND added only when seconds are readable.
h=1 m=13
